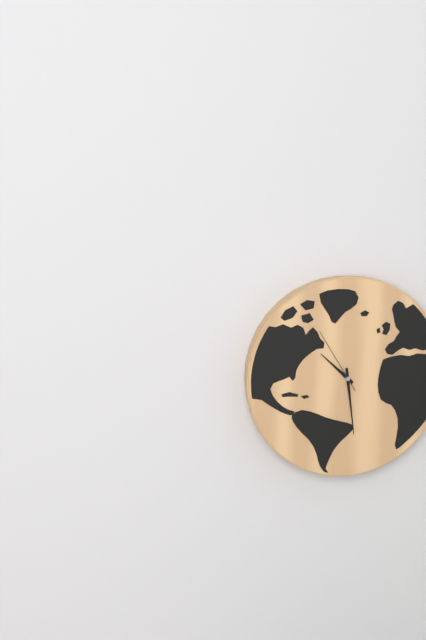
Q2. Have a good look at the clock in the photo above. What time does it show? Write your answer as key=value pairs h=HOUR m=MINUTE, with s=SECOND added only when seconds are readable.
h=10 m=29 s=55
